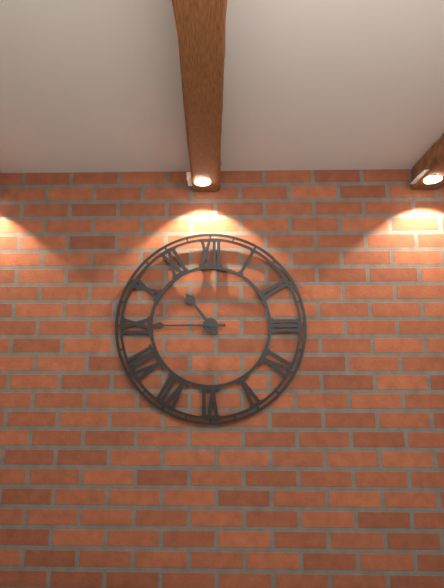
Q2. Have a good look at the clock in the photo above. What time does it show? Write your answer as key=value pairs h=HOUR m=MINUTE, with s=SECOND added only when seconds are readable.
h=10 m=45
